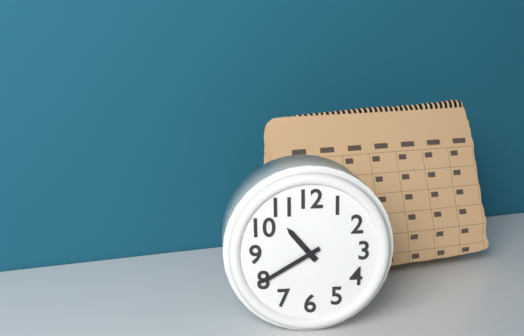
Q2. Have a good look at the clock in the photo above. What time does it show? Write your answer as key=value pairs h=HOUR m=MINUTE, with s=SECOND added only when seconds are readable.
h=10 m=40
